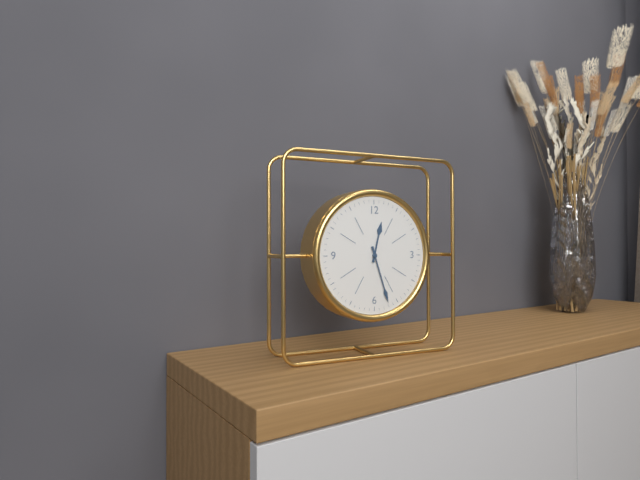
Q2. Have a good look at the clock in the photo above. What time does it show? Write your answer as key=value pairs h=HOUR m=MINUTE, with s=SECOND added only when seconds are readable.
h=12 m=27
